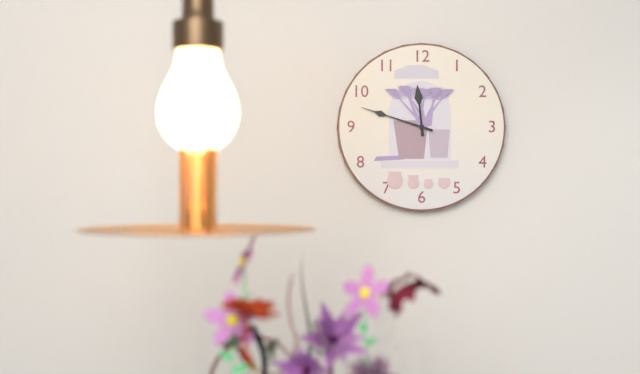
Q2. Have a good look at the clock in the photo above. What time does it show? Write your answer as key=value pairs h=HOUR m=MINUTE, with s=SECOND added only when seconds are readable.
h=11 m=48
